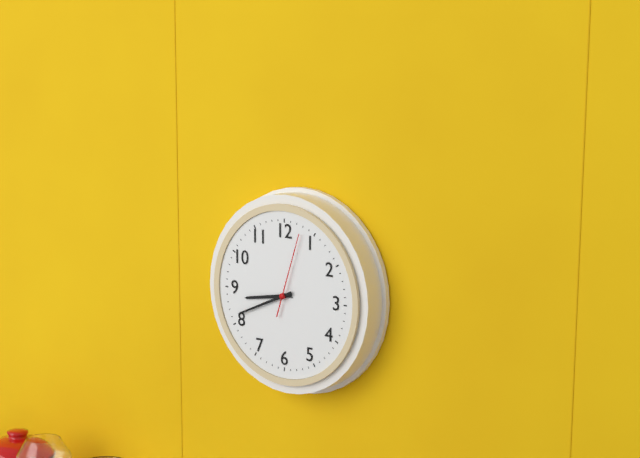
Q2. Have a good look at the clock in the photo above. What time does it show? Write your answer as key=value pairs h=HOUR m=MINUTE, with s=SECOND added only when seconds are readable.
h=8 m=41 s=3
